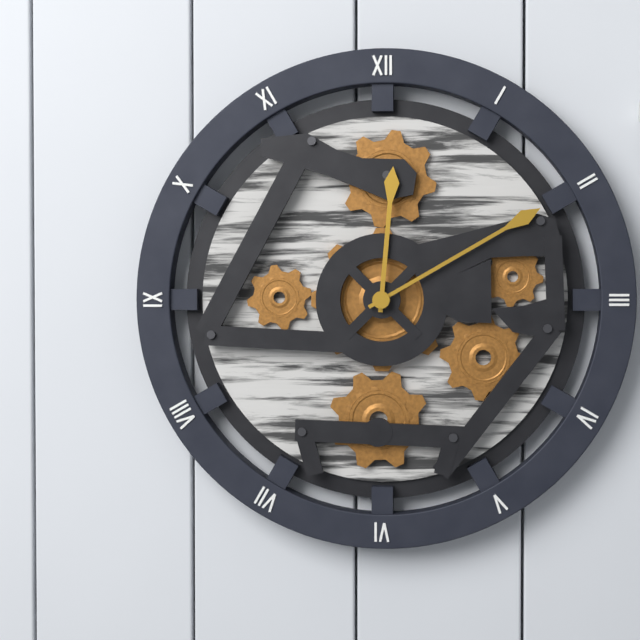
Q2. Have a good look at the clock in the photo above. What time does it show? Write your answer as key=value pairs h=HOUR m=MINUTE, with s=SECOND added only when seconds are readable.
h=12 m=10
